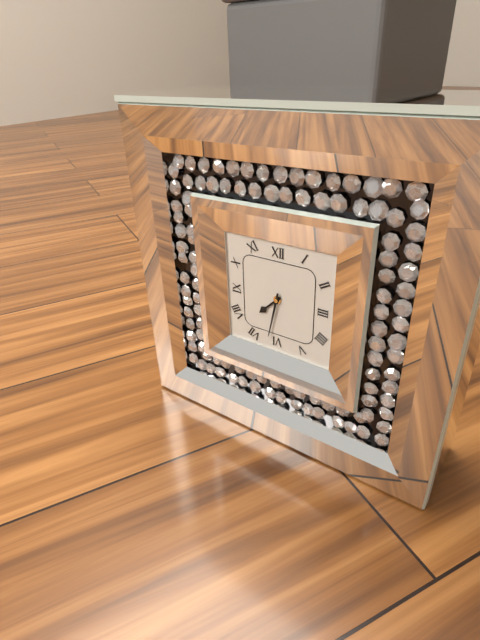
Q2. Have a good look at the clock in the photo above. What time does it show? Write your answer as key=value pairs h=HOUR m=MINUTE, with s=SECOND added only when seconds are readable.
h=7 m=32
